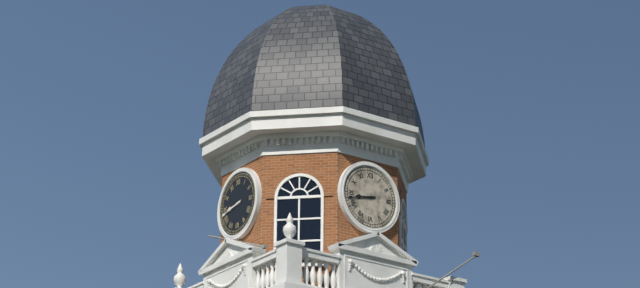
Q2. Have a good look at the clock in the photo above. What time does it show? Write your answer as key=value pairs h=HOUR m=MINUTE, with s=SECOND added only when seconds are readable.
h=8 m=43
